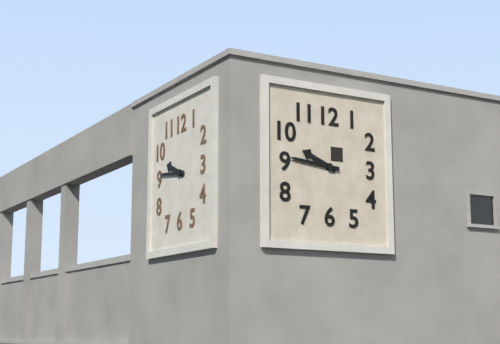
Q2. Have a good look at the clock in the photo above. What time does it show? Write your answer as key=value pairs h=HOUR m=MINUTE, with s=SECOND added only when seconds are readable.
h=9 m=46
